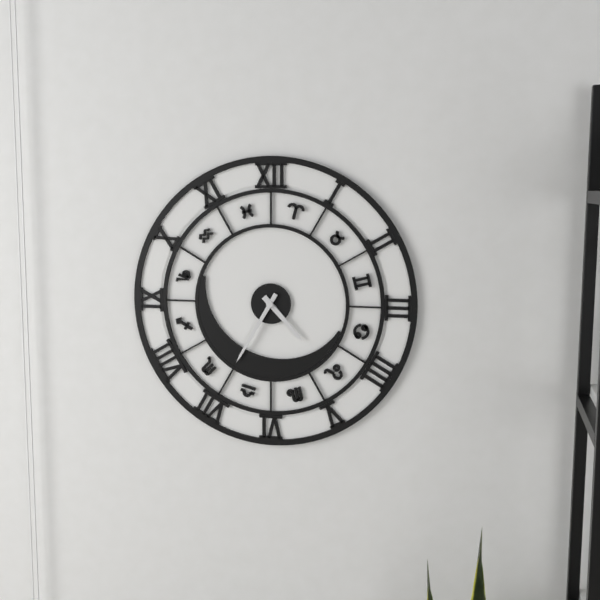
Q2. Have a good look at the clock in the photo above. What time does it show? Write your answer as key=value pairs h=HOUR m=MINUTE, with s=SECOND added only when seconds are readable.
h=4 m=35
